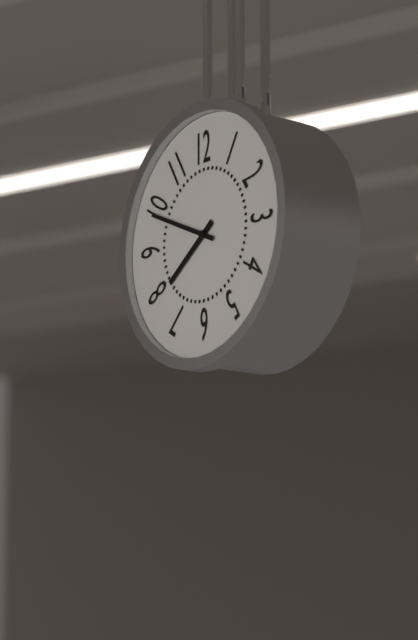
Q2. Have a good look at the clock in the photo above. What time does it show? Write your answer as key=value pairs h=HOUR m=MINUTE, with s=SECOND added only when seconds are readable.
h=7 m=49
